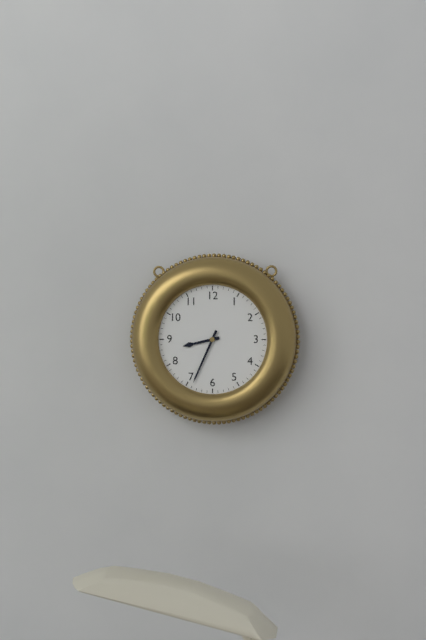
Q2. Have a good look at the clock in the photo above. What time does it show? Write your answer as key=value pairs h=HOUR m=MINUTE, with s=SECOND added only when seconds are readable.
h=8 m=34
